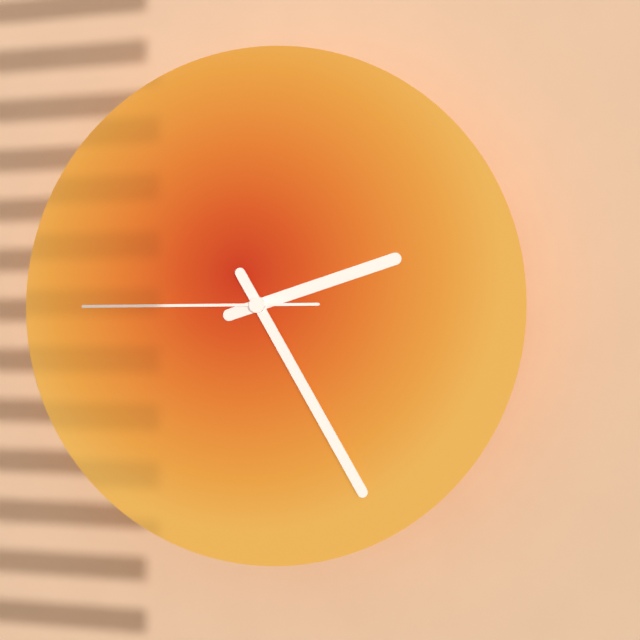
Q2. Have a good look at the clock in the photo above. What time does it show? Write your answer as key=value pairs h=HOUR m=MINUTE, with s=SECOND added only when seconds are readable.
h=2 m=25 s=45
